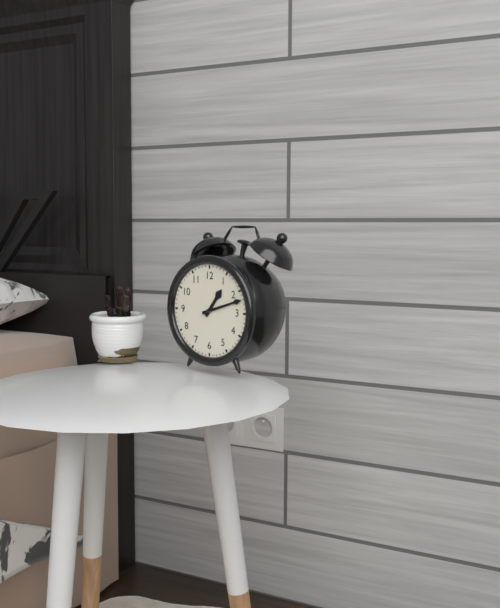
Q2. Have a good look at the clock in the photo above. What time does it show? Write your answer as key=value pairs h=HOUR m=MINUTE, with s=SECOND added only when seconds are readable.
h=1 m=12
